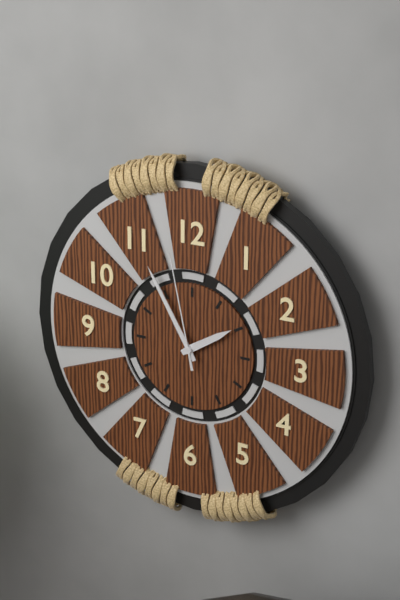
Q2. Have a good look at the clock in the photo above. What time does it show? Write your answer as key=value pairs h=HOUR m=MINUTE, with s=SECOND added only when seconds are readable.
h=1 m=55 s=58
